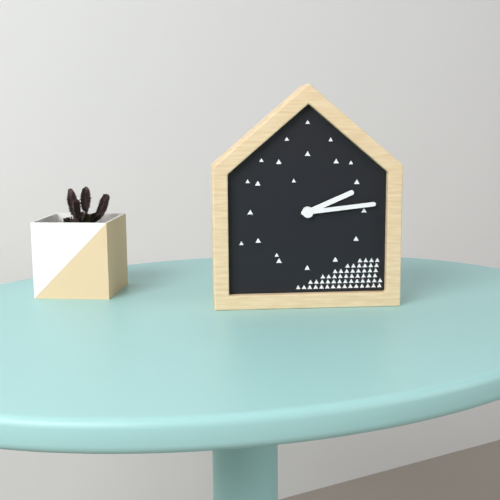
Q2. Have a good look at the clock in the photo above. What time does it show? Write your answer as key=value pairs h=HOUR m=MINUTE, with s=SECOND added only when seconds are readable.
h=2 m=14
